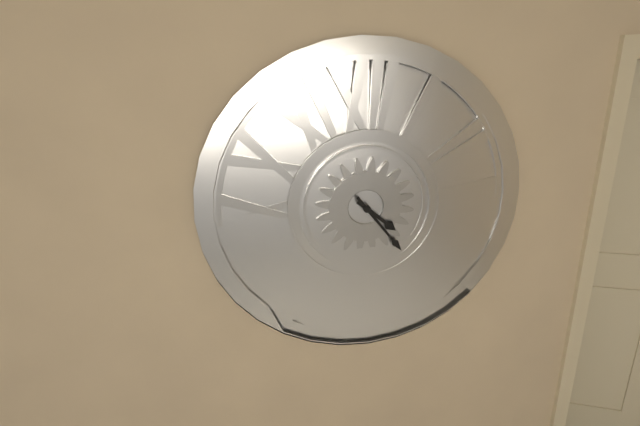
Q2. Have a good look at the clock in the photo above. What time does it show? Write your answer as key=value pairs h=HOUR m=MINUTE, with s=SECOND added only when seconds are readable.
h=4 m=24
